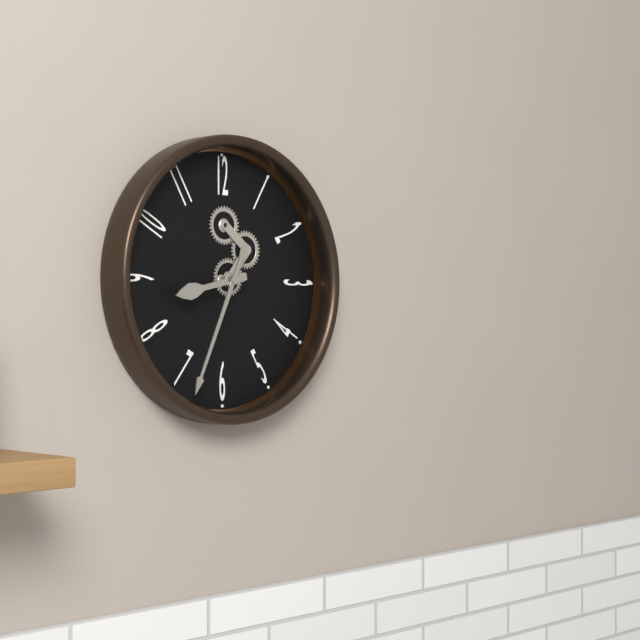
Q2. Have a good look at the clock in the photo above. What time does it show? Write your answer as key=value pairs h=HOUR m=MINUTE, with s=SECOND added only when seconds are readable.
h=8 m=34
